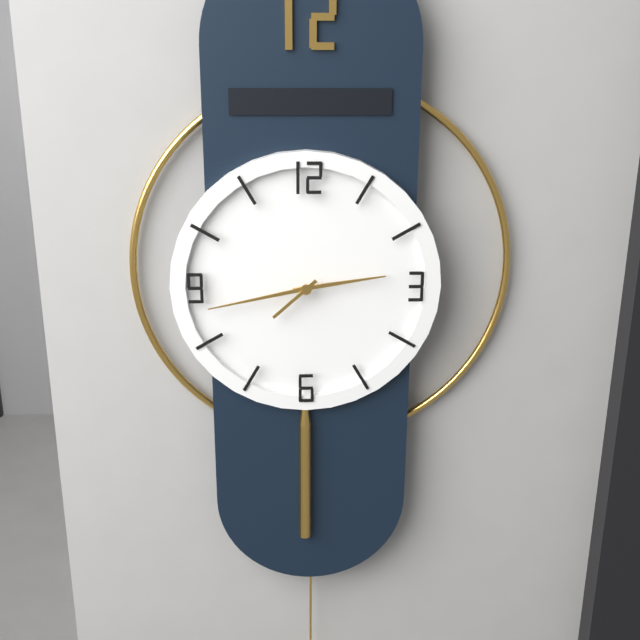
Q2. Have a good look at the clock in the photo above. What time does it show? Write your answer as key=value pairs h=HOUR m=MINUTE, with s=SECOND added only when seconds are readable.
h=2 m=43 s=38
